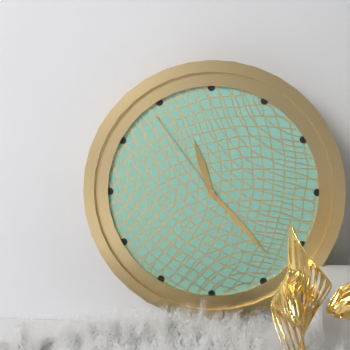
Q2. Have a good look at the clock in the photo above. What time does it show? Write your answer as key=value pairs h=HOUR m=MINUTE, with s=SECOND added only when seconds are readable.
h=11 m=23 s=54
